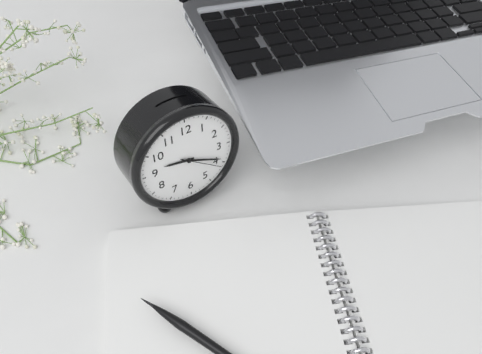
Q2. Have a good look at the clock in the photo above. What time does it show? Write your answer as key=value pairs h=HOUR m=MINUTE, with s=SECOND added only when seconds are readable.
h=9 m=19
